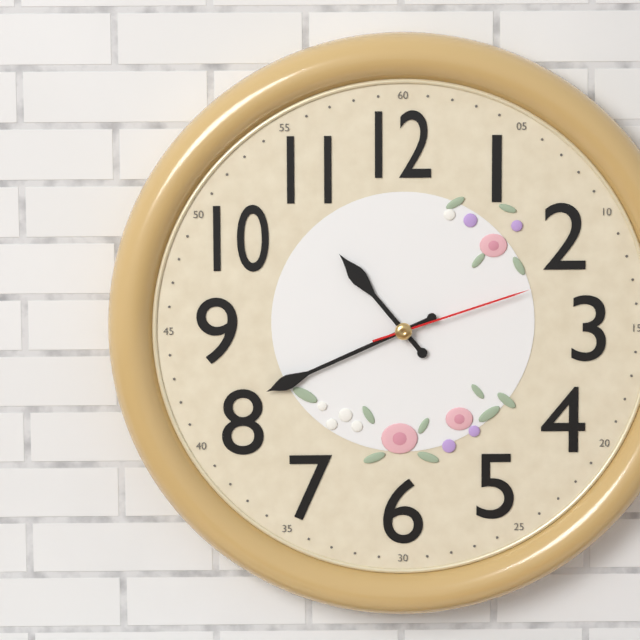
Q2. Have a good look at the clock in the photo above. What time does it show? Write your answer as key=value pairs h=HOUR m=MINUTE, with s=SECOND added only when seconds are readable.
h=10 m=41 s=12
